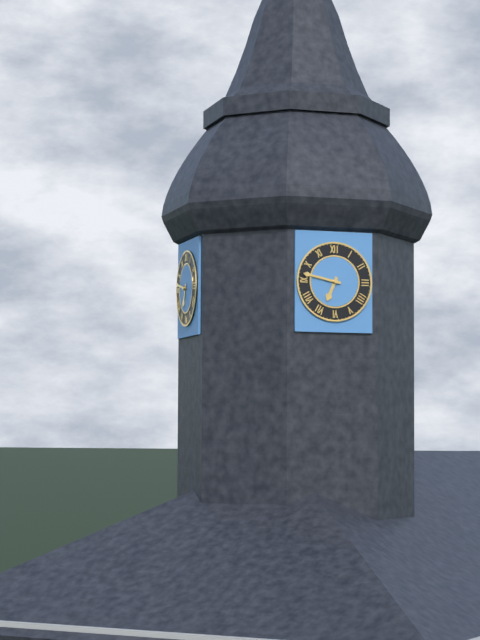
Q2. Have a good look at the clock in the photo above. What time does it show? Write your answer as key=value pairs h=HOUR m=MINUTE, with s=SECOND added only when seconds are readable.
h=6 m=47
